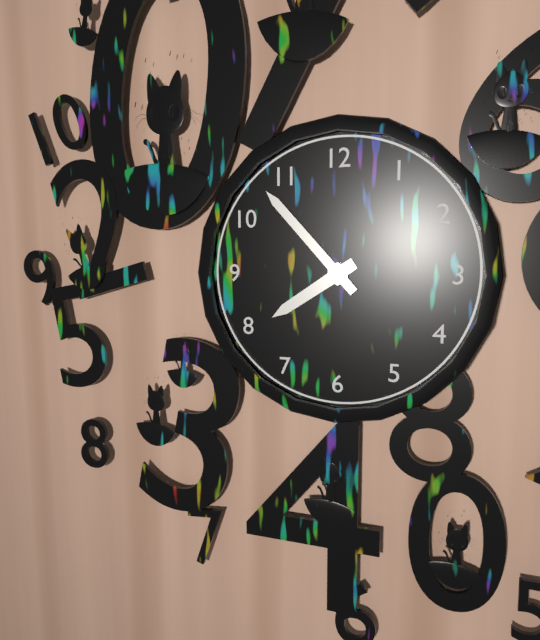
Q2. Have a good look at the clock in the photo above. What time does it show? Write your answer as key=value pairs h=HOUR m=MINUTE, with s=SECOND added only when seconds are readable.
h=7 m=53
